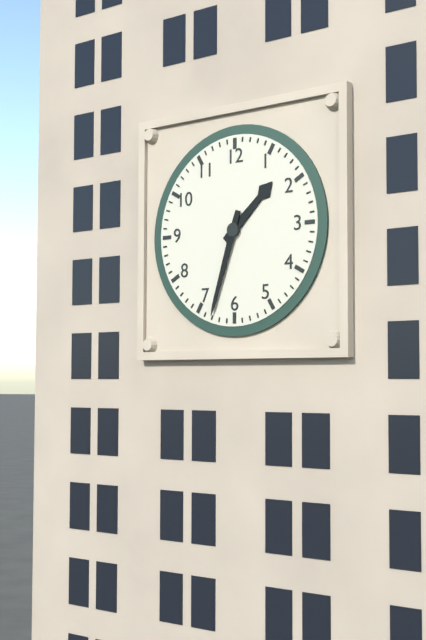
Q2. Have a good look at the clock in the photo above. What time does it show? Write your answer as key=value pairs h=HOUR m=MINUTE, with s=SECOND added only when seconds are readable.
h=1 m=33
